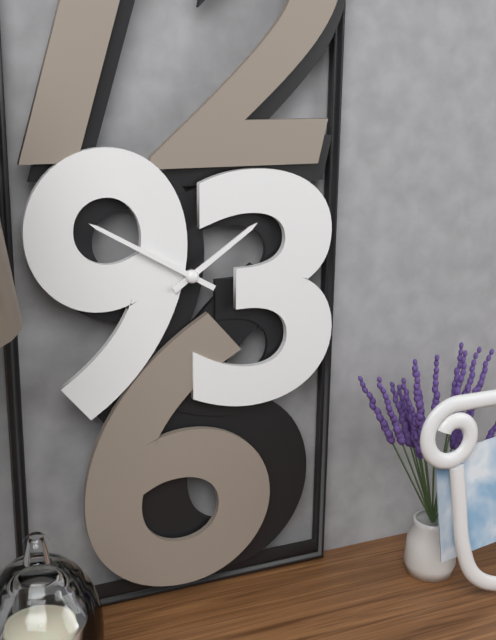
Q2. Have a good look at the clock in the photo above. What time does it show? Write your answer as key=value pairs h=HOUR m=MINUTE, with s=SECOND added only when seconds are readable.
h=1 m=50
